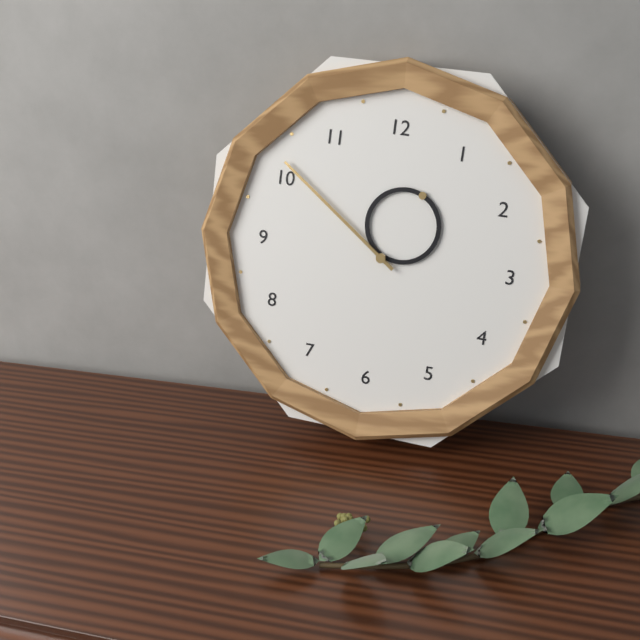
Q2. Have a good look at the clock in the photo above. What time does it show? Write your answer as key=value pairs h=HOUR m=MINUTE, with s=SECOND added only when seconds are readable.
h=12 m=51
